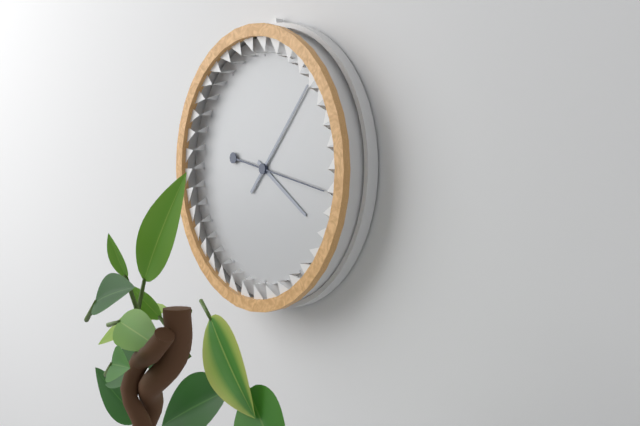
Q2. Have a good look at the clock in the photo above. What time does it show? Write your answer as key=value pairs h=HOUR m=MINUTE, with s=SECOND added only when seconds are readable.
h=4 m=7 s=17
